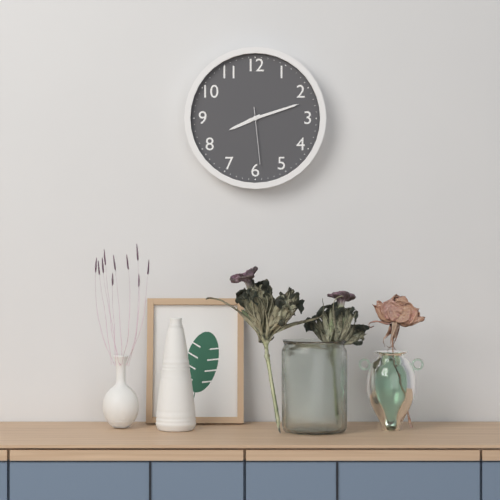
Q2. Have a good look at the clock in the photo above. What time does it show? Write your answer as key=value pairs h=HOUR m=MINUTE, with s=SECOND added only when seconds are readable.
h=8 m=12 s=29
